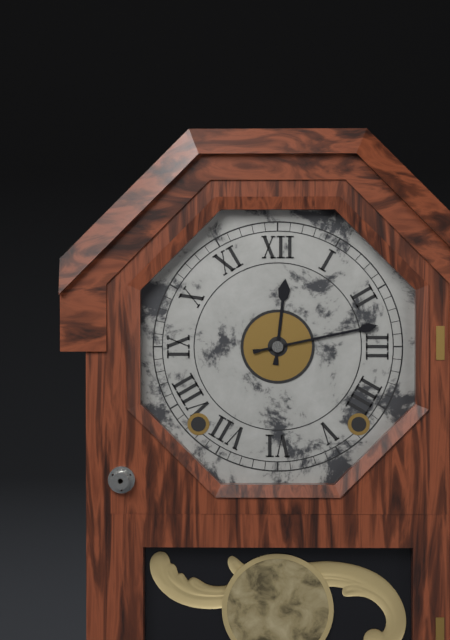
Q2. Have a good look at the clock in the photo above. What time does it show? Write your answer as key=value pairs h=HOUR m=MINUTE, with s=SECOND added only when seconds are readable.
h=12 m=13
